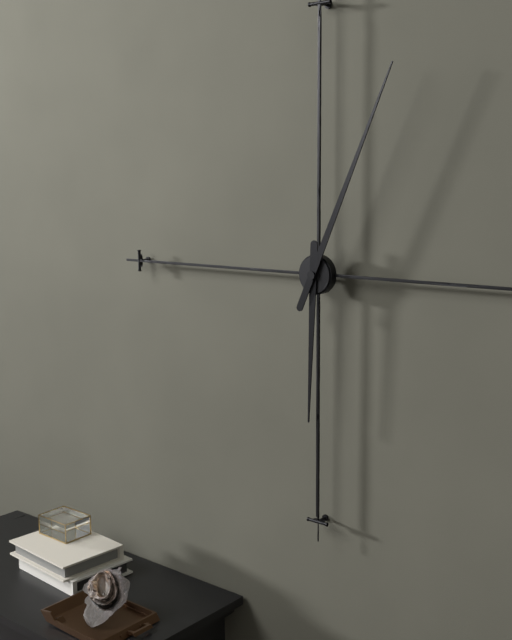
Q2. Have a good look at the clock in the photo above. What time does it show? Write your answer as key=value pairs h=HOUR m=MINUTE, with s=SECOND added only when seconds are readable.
h=6 m=4
